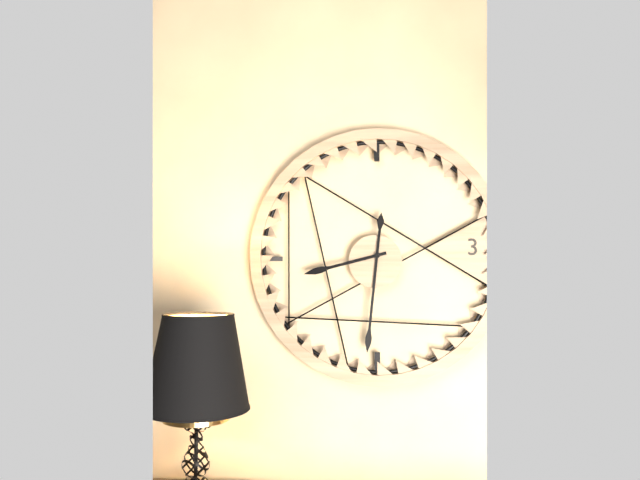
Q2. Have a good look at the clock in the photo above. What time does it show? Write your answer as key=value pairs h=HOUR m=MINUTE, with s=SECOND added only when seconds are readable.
h=8 m=31
